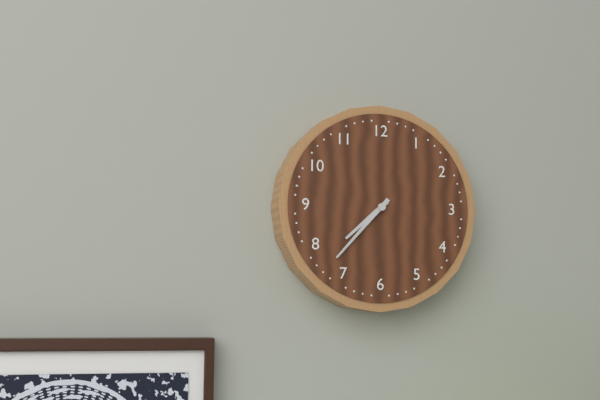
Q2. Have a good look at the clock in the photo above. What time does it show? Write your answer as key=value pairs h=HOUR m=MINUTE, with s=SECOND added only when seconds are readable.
h=7 m=37
